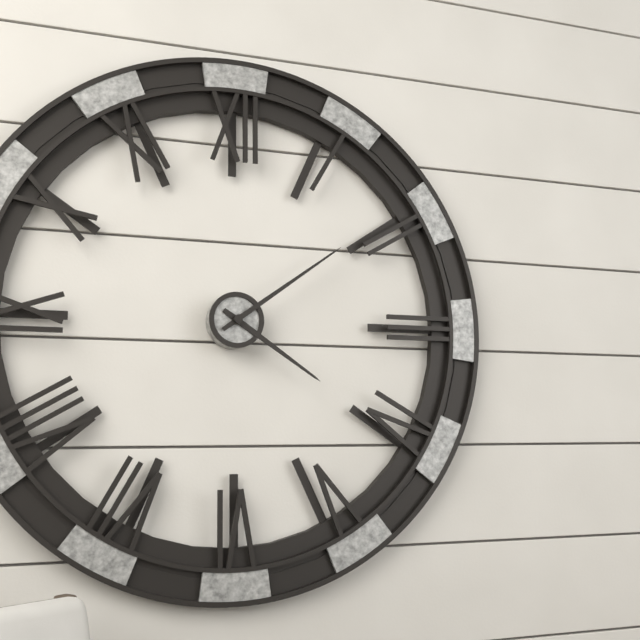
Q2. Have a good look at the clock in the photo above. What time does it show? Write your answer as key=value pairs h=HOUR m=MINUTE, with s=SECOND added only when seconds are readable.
h=4 m=9
